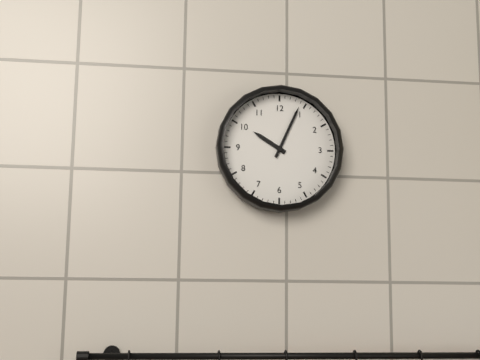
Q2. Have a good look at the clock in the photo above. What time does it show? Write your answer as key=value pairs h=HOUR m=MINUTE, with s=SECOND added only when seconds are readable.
h=10 m=4
